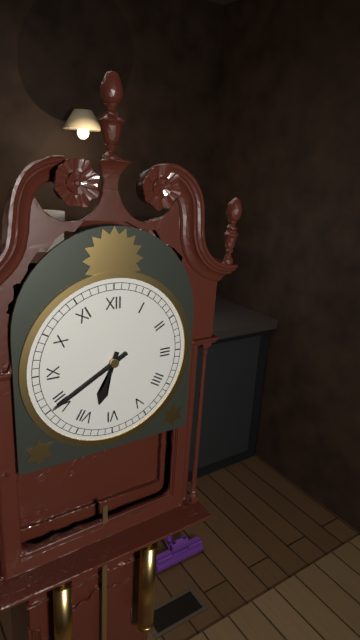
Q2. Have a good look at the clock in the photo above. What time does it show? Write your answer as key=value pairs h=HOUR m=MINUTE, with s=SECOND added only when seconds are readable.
h=6 m=40
